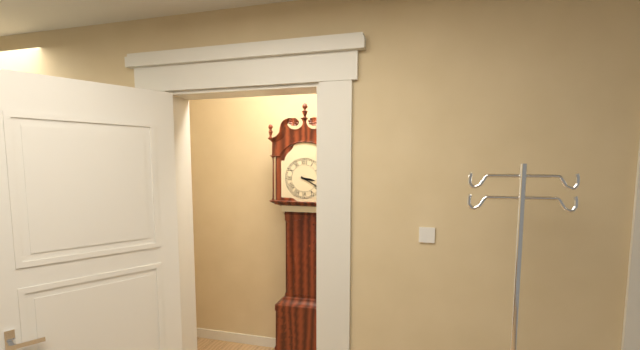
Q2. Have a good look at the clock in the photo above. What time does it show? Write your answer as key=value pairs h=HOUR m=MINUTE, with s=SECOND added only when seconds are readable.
h=3 m=20
